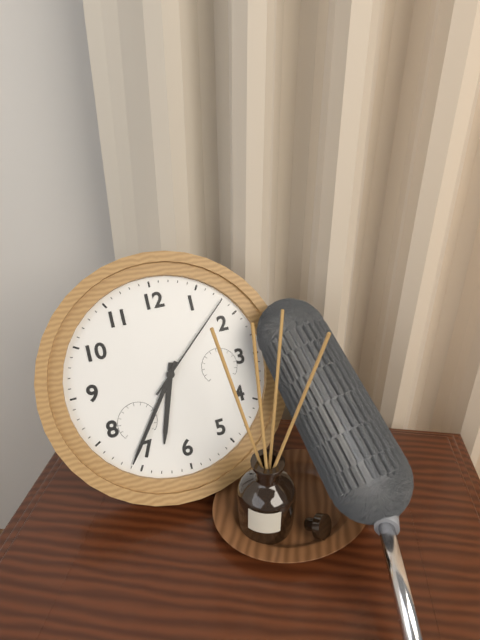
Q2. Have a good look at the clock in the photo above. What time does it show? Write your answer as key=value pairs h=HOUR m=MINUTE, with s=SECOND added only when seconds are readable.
h=6 m=36 s=8
